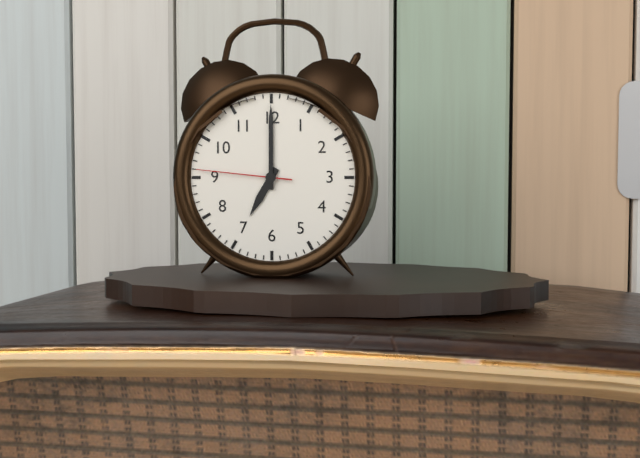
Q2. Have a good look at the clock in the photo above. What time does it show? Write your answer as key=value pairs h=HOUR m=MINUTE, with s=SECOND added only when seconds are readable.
h=7 m=0 s=46
